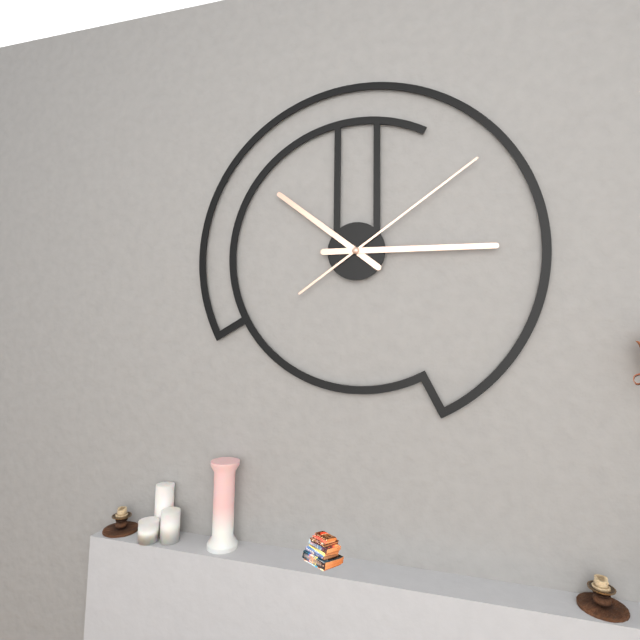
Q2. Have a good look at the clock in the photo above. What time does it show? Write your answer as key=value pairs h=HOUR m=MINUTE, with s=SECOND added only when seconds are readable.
h=10 m=15 s=9
